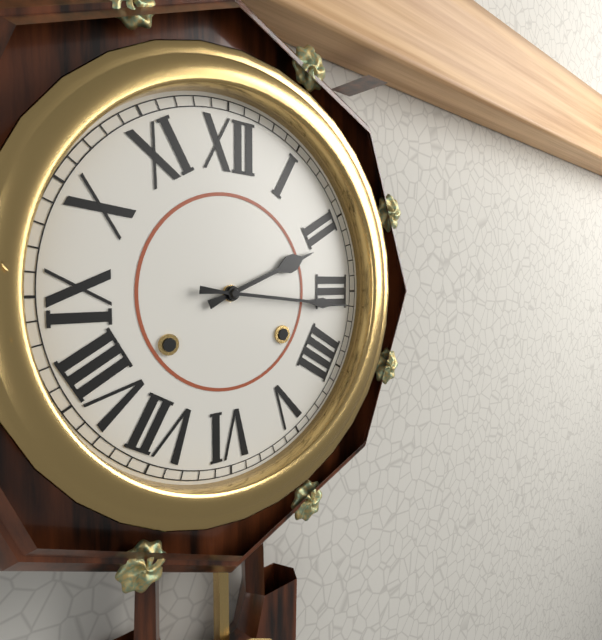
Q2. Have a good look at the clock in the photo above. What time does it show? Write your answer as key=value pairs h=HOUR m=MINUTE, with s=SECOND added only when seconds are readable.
h=2 m=16
